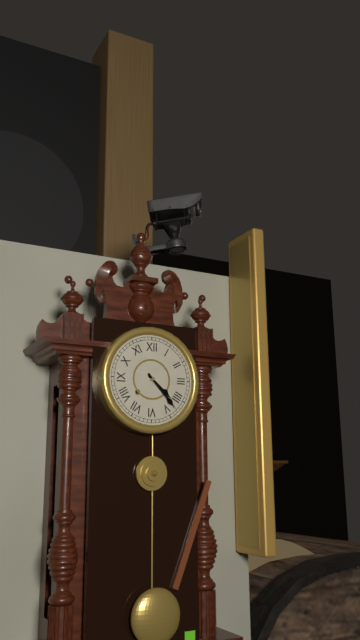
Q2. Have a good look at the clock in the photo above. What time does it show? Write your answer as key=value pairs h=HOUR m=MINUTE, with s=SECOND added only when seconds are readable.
h=4 m=23
